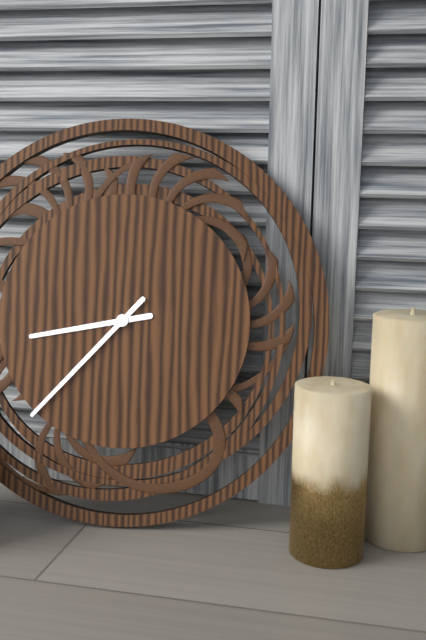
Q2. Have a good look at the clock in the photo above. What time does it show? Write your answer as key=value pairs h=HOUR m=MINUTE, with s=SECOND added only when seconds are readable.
h=8 m=37
